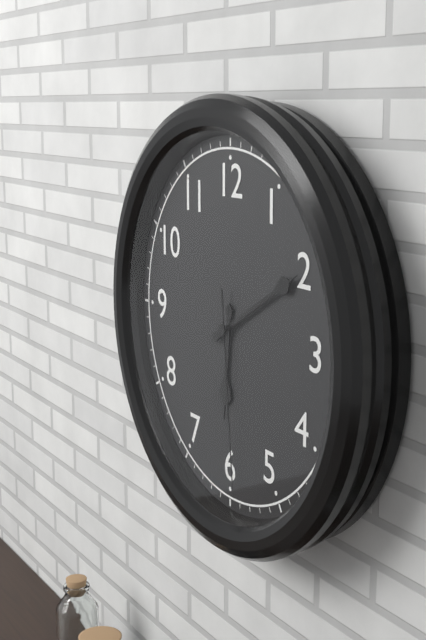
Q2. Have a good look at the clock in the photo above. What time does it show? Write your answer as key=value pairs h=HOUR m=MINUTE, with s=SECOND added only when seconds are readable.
h=6 m=10 s=29
